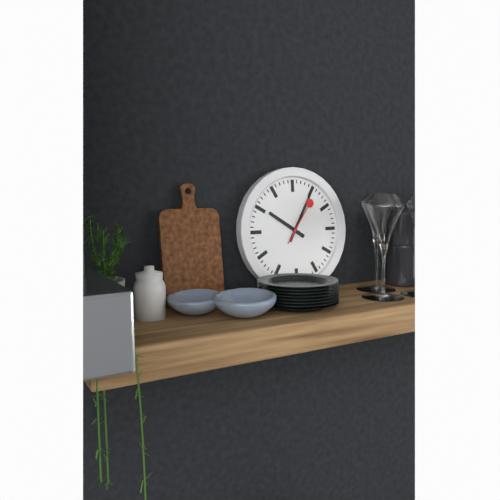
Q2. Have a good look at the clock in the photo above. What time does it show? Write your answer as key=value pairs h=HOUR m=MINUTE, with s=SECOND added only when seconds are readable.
h=10 m=5
